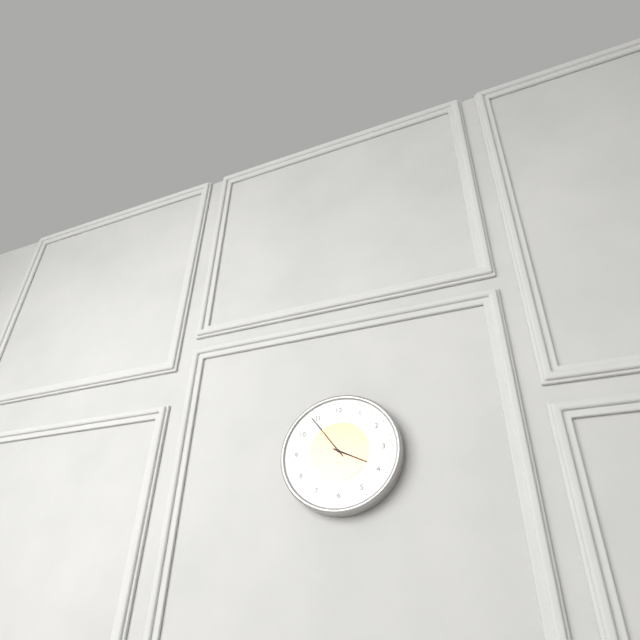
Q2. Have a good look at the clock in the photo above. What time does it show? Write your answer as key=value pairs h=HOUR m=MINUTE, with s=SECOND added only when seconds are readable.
h=3 m=54
